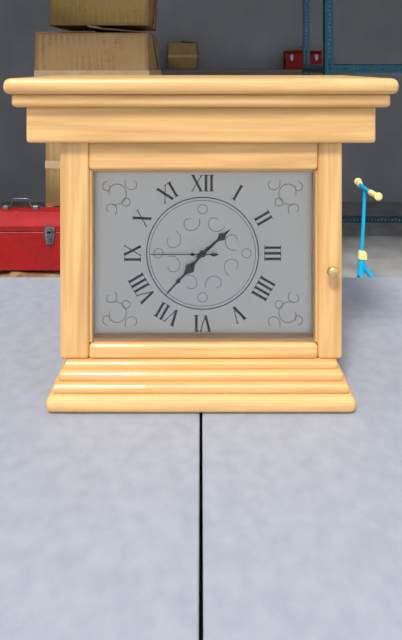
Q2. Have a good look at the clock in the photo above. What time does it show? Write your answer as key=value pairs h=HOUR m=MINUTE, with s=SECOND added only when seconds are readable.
h=1 m=37 s=45
